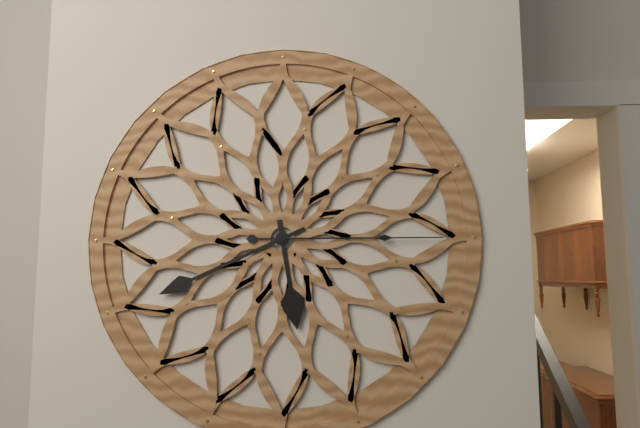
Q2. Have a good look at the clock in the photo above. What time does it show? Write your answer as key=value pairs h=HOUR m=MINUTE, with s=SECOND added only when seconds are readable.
h=5 m=41 s=15
